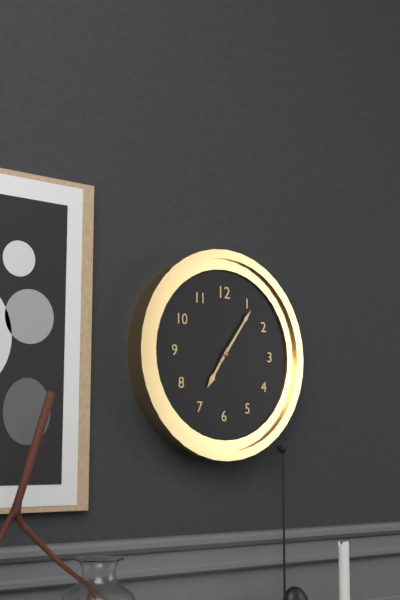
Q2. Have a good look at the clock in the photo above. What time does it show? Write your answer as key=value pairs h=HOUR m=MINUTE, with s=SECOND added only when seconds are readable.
h=7 m=6
